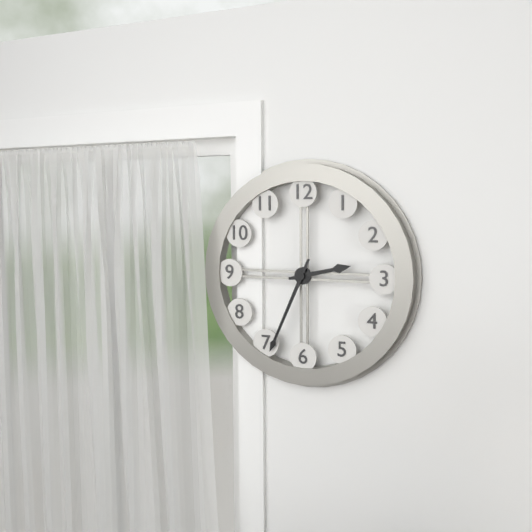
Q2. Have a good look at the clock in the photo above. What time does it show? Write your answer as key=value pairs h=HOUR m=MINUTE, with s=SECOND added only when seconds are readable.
h=2 m=34
